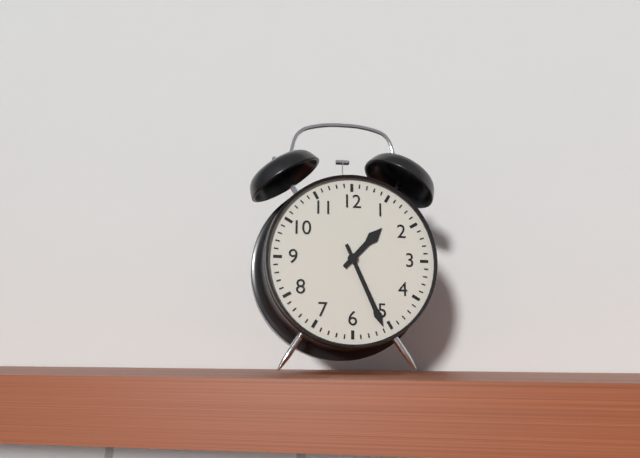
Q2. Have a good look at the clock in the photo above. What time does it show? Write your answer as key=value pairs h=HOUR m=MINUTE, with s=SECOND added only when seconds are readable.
h=1 m=26
